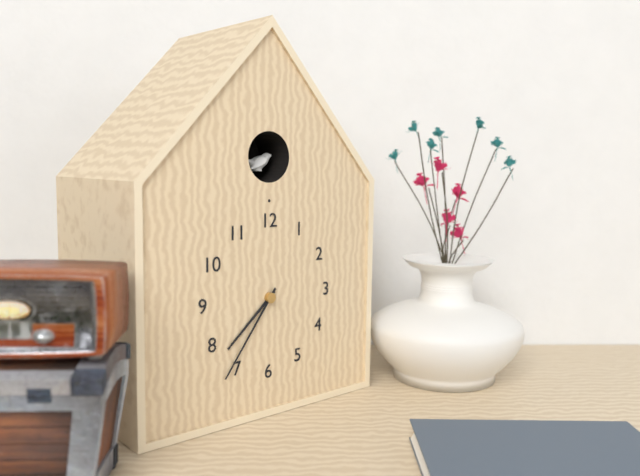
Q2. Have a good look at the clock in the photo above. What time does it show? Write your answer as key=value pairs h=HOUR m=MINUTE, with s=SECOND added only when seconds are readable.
h=7 m=36
